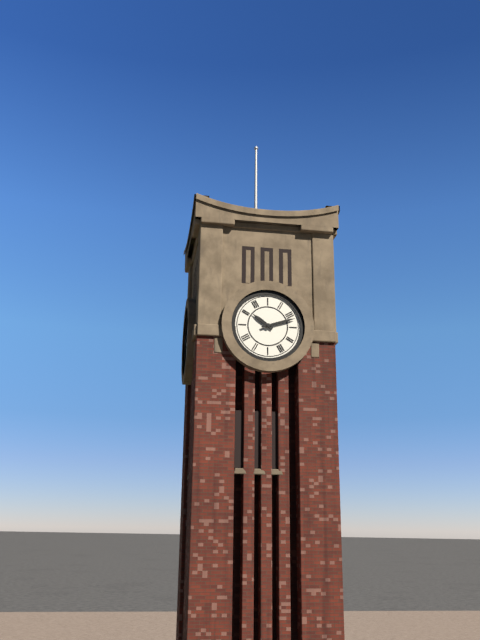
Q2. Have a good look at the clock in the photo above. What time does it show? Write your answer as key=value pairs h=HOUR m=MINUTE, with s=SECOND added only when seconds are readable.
h=10 m=12
